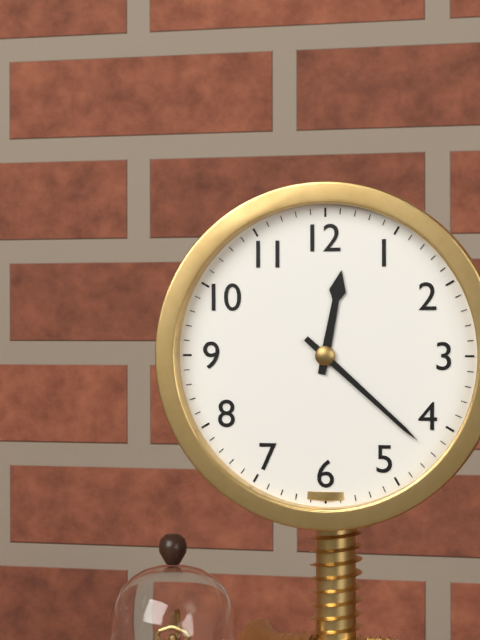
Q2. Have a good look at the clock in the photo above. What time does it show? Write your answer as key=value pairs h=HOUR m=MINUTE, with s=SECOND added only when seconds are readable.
h=12 m=22
